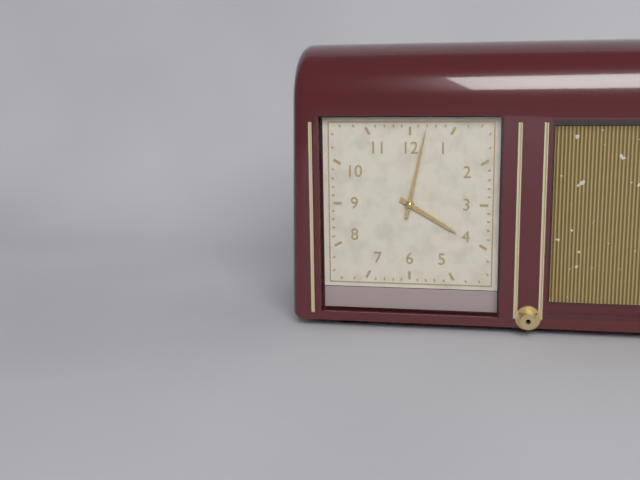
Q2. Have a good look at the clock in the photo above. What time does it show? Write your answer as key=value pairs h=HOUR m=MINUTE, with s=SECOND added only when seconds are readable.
h=4 m=2
